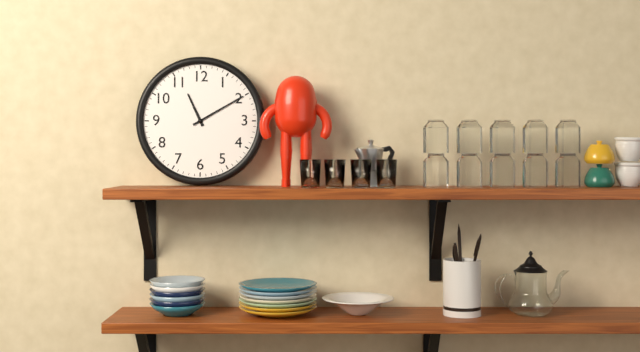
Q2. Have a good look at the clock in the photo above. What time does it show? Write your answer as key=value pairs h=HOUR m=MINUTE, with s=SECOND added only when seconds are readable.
h=11 m=10
